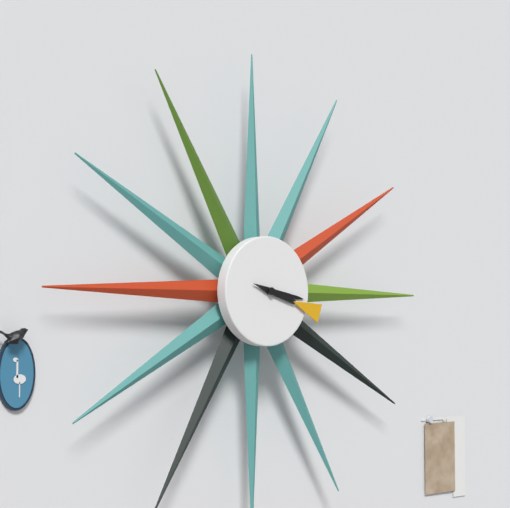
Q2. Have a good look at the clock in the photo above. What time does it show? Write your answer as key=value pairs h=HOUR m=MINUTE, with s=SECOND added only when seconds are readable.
h=3 m=18
